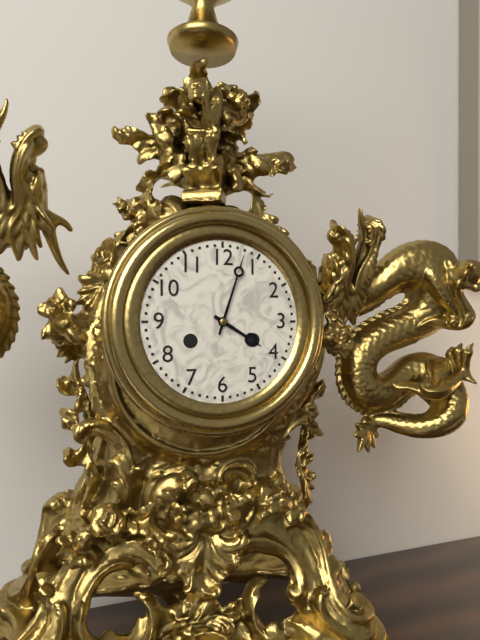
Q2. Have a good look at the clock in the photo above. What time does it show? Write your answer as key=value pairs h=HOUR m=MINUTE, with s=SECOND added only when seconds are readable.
h=4 m=3
